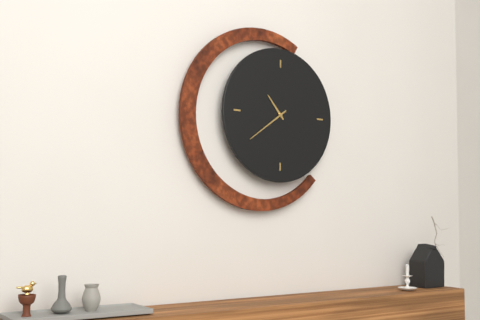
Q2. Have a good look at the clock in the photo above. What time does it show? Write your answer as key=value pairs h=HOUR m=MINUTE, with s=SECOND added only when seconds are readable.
h=10 m=39
